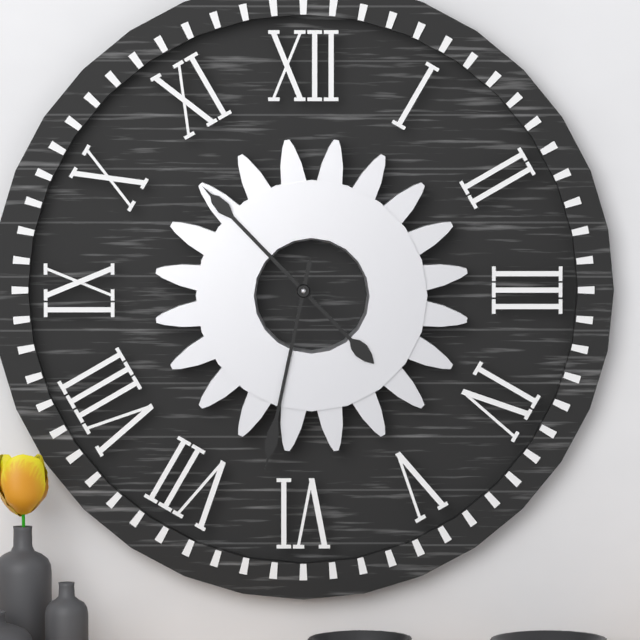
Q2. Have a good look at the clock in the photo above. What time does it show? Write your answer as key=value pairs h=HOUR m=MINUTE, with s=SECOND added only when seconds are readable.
h=10 m=32
